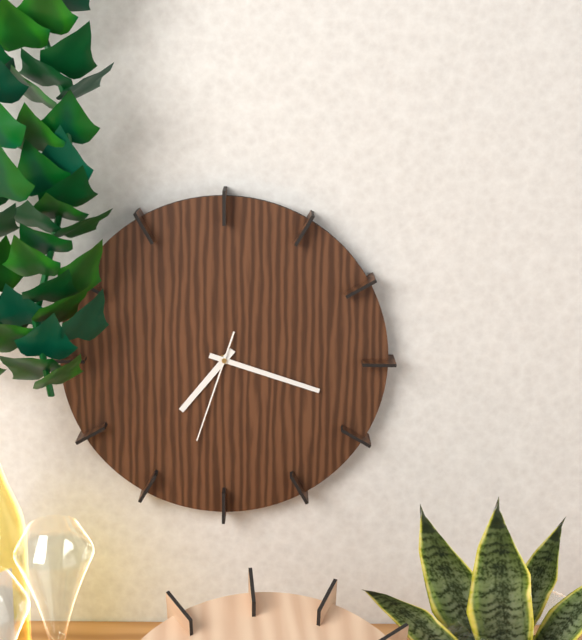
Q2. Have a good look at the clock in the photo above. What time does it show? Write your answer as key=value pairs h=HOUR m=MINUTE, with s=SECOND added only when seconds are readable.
h=7 m=18 s=33
